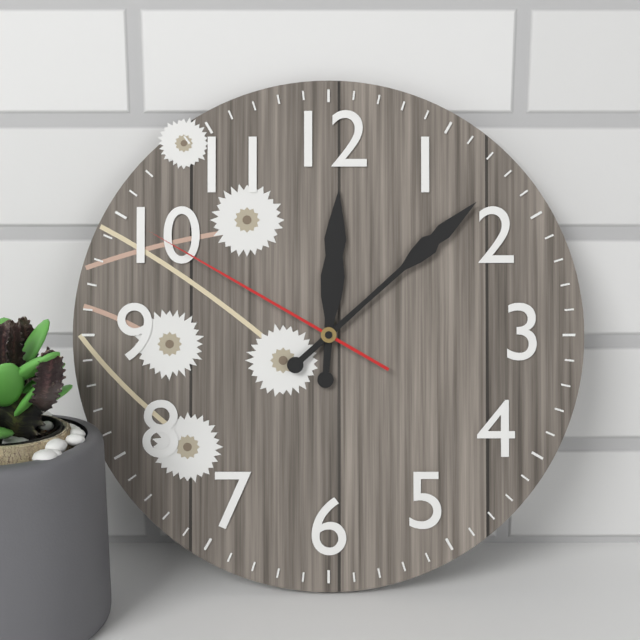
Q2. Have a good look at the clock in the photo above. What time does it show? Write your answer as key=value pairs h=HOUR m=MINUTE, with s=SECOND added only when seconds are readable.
h=12 m=8 s=50
